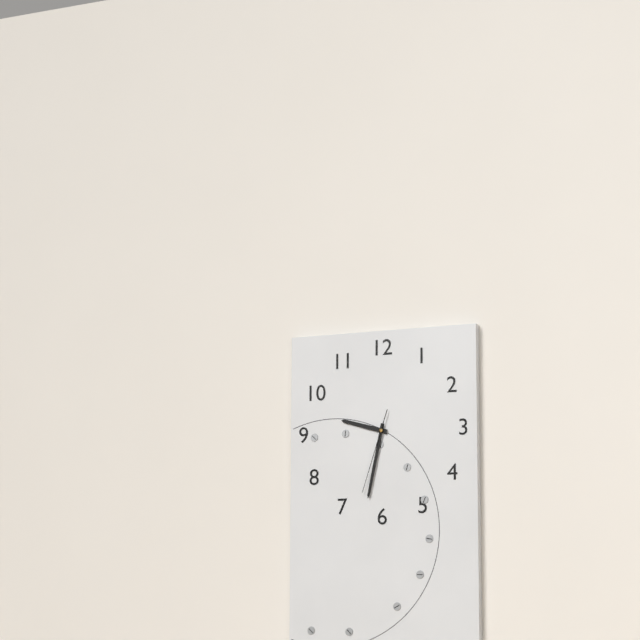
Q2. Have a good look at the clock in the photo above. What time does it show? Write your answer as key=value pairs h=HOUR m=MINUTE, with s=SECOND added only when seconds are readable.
h=9 m=32 s=33
